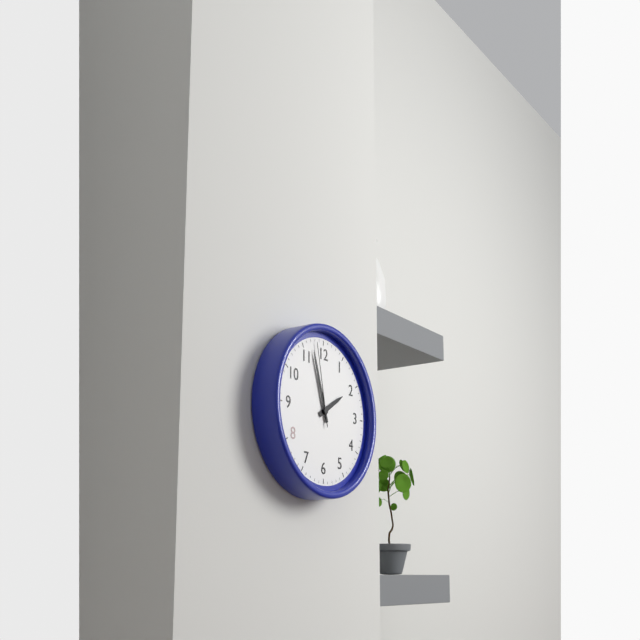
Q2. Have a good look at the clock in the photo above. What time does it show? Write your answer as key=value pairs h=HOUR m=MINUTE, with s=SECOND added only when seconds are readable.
h=1 m=57 s=58
